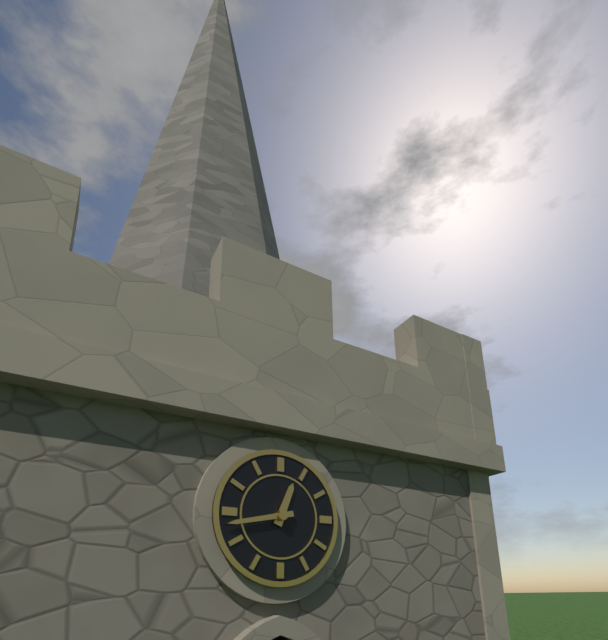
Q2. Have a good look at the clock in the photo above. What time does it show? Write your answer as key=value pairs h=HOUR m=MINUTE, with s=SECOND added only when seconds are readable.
h=12 m=43
